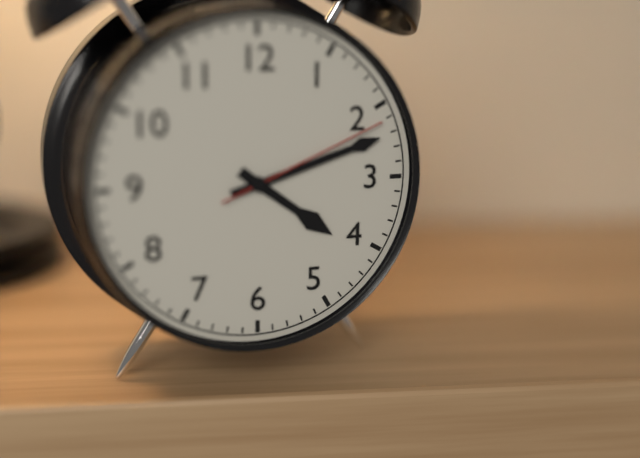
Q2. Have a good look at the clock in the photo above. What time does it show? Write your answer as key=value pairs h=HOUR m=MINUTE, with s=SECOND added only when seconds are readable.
h=4 m=12 s=11
